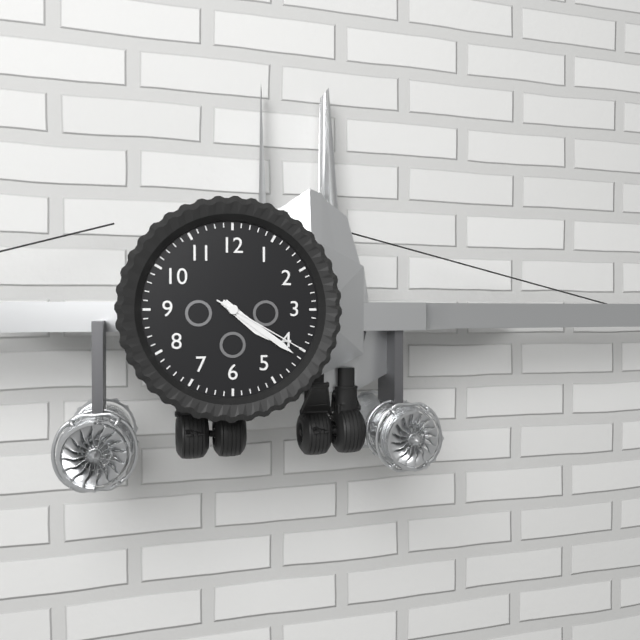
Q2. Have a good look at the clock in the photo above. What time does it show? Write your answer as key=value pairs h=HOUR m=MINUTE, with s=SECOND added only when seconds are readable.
h=4 m=21 s=20
